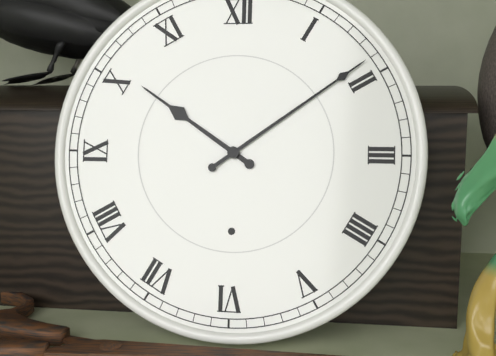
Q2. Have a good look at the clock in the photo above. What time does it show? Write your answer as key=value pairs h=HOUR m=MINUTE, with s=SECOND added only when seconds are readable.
h=10 m=9
